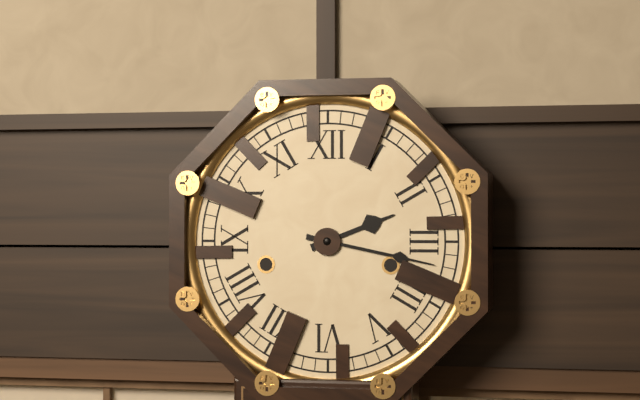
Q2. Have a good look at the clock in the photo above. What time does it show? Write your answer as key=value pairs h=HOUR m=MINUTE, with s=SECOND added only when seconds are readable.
h=2 m=17
